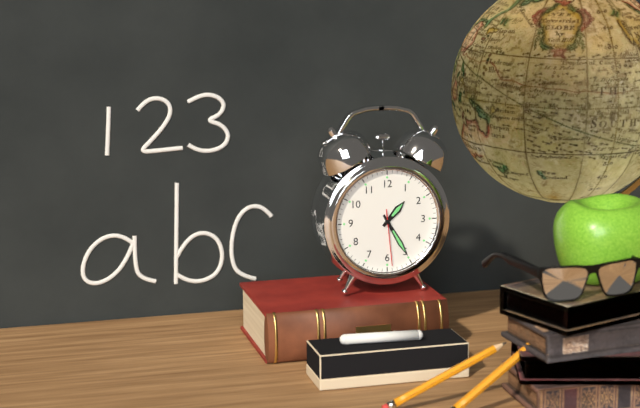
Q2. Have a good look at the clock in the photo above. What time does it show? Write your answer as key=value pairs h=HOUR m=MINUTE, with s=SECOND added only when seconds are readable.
h=1 m=25 s=29
